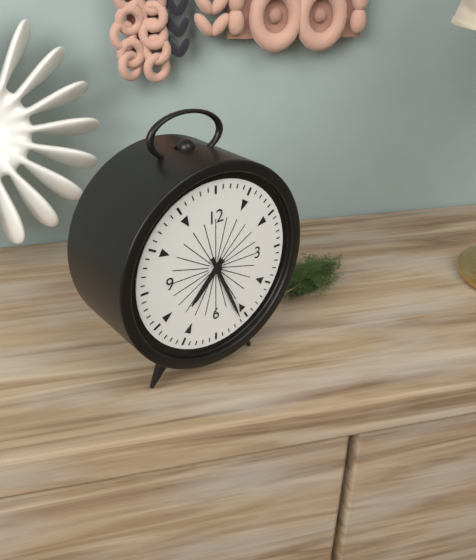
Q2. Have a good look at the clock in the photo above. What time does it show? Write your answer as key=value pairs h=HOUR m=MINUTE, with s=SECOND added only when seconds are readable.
h=7 m=26
